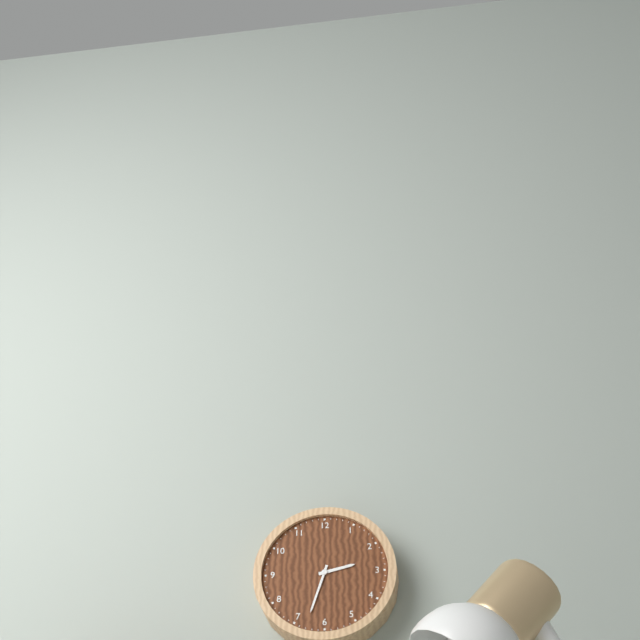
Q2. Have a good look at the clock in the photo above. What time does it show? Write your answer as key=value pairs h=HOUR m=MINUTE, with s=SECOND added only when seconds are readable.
h=2 m=33
